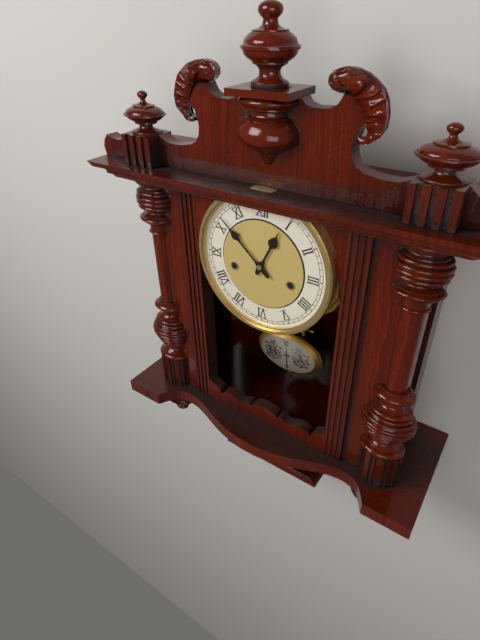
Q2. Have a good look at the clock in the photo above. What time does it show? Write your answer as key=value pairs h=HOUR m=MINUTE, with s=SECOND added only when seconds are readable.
h=12 m=52
